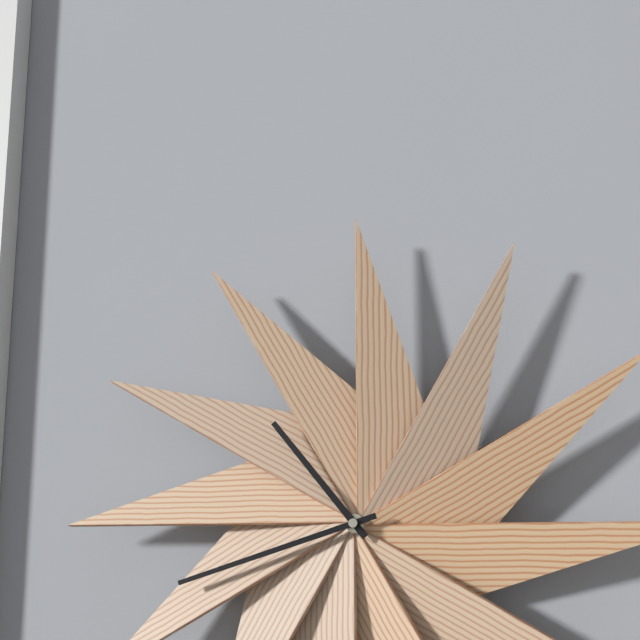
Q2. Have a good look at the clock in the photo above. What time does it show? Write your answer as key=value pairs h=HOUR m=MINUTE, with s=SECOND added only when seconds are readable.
h=10 m=42
